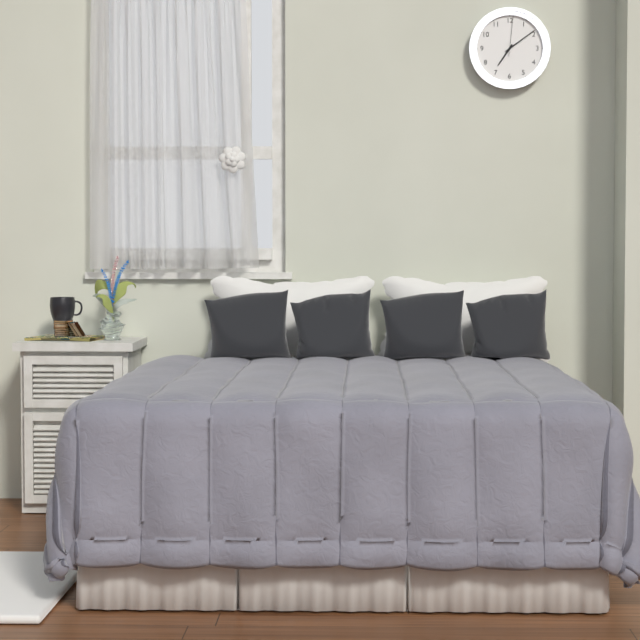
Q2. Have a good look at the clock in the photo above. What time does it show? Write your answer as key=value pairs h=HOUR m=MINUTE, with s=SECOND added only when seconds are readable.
h=7 m=9
